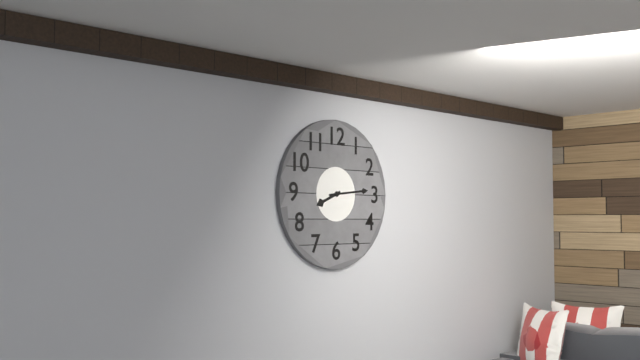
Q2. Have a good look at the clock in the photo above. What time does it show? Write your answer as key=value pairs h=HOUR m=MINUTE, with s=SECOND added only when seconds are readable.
h=8 m=14
